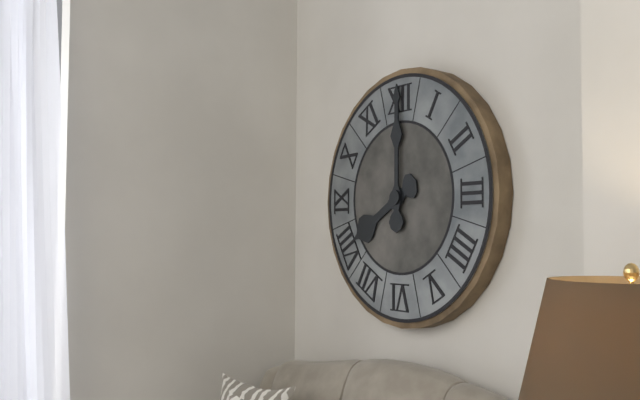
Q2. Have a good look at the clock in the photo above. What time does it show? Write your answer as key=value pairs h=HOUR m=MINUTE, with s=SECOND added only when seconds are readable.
h=8 m=0
